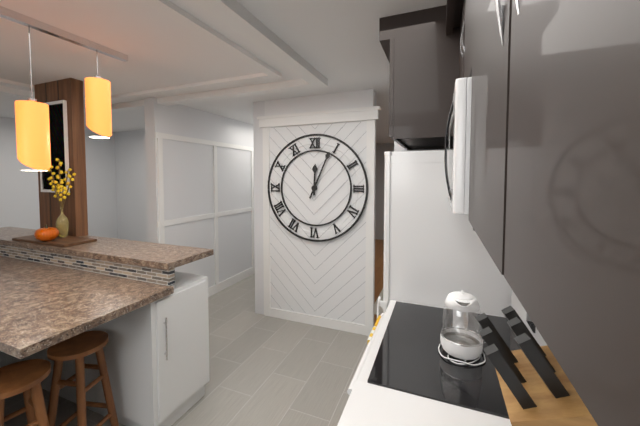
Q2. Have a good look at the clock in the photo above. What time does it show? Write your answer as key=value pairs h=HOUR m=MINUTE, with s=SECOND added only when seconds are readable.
h=12 m=4
